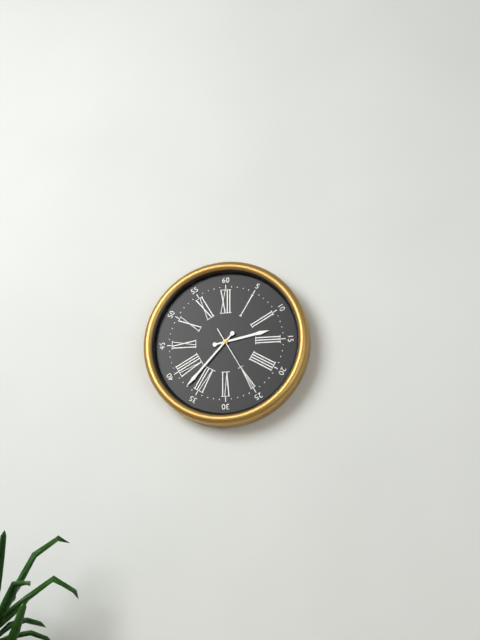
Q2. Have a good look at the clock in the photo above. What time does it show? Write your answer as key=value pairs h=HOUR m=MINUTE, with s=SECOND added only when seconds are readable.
h=2 m=37 s=25
